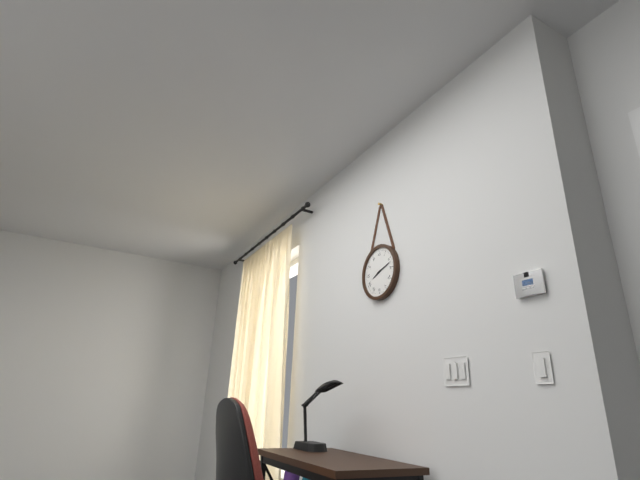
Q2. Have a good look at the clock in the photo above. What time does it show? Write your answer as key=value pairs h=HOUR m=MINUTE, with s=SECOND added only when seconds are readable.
h=8 m=12
